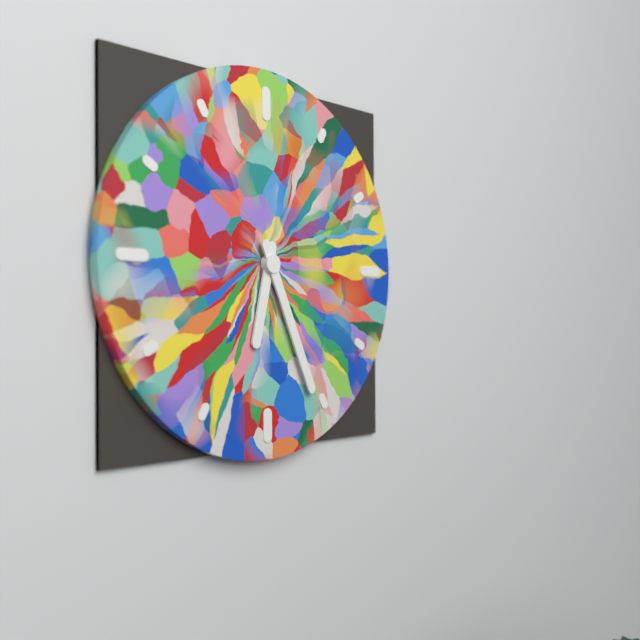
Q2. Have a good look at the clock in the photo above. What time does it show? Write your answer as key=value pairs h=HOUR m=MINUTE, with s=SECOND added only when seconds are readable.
h=6 m=26
